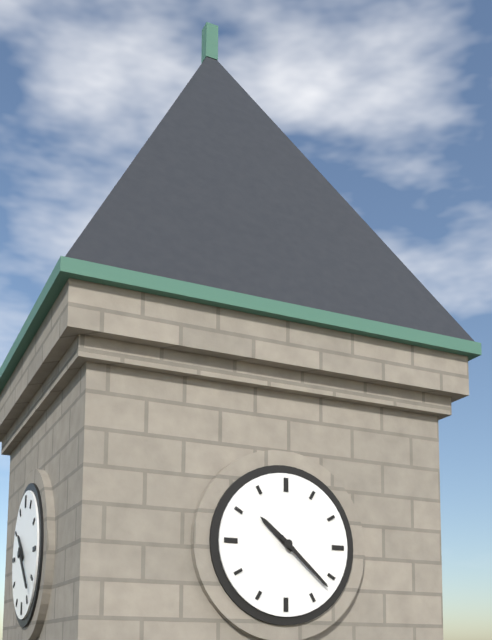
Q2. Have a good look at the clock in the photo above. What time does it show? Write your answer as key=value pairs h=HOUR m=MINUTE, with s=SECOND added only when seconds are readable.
h=10 m=22
